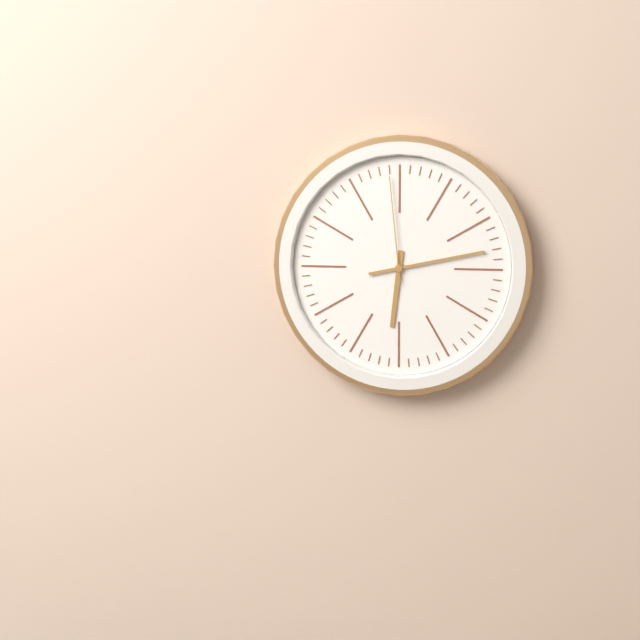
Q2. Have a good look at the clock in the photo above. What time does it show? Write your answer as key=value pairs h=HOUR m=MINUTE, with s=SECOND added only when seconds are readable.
h=6 m=13 s=59
